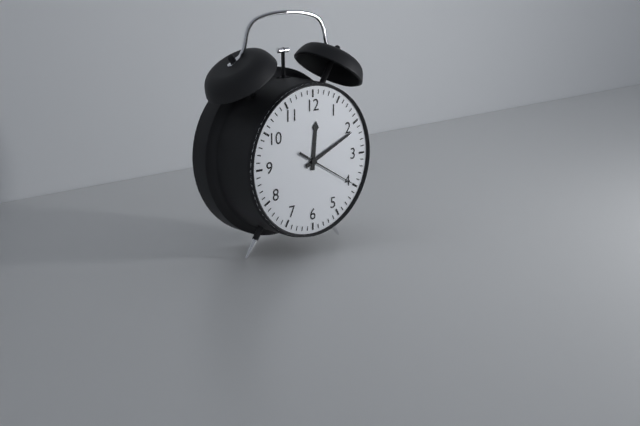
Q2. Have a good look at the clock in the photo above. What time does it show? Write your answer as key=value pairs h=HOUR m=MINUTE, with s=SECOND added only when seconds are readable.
h=12 m=11 s=20
